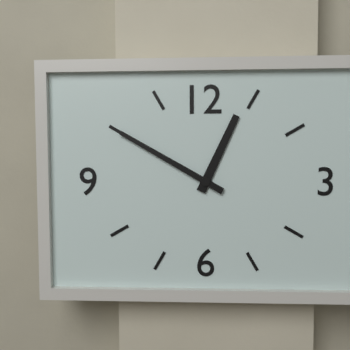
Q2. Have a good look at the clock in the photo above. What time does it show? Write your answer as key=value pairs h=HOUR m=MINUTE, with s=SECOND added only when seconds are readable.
h=12 m=50
